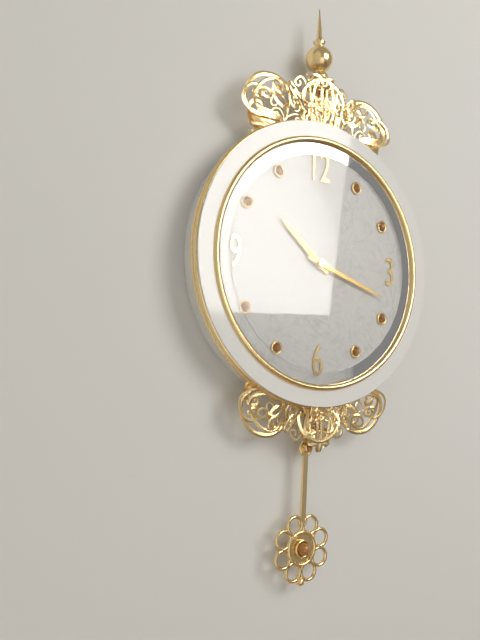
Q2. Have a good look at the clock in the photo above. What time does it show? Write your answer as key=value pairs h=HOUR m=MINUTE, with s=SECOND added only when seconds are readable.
h=10 m=18
